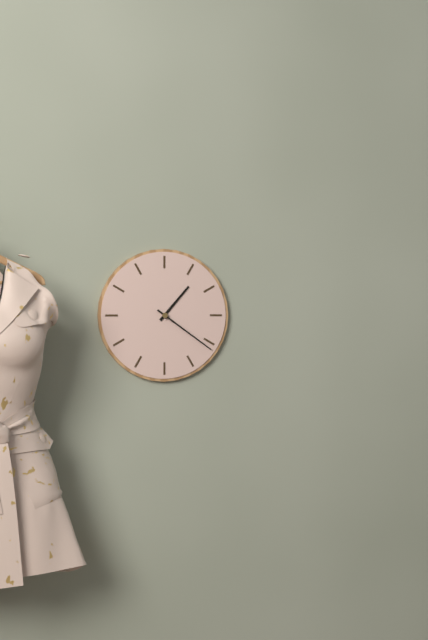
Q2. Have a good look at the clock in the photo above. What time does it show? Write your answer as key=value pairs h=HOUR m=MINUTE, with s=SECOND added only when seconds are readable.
h=1 m=21
